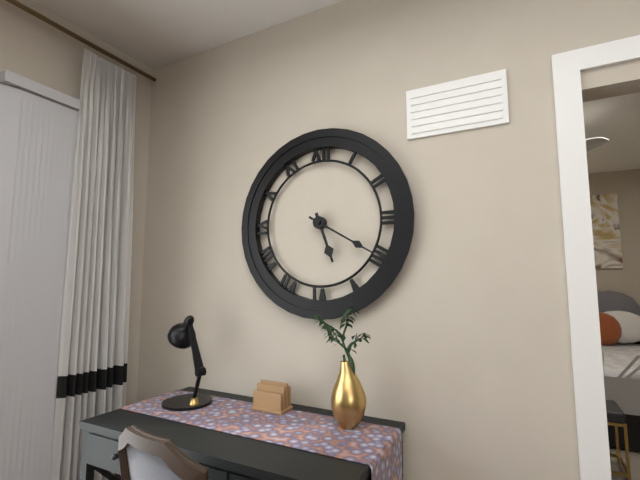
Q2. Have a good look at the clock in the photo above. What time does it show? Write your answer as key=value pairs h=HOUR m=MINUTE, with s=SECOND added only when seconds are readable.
h=5 m=20
